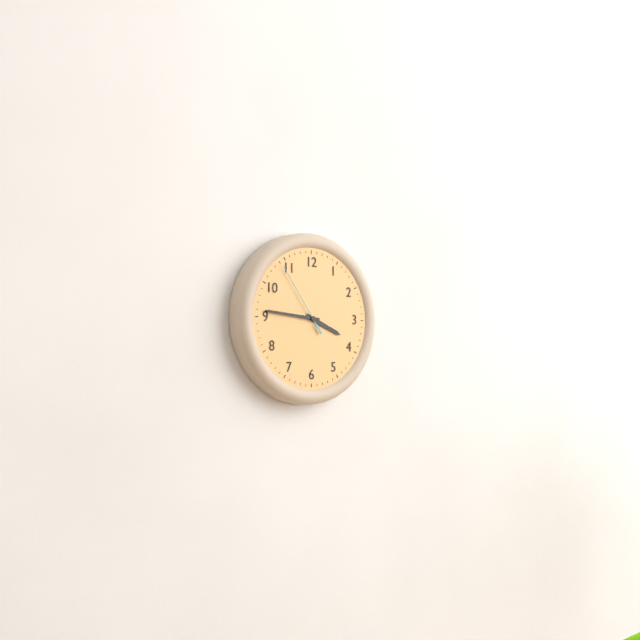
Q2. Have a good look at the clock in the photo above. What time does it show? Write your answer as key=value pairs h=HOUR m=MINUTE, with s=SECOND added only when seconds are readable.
h=3 m=46 s=54
